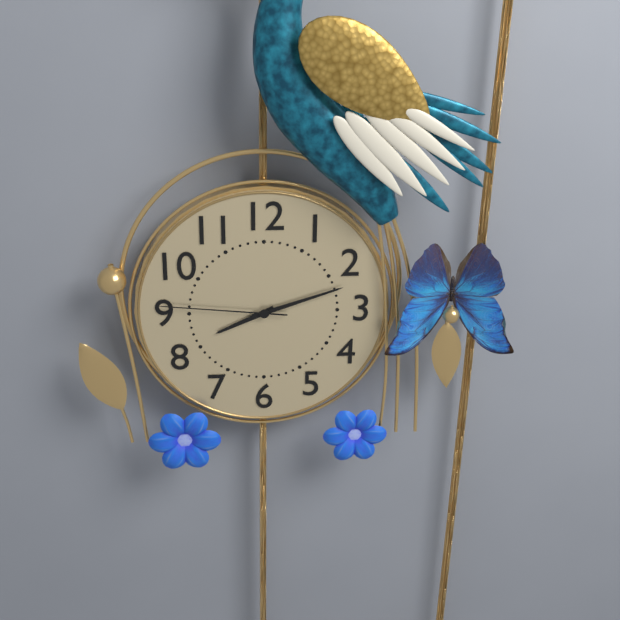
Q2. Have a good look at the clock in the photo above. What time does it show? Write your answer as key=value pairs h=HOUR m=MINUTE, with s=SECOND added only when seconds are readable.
h=8 m=12 s=46
